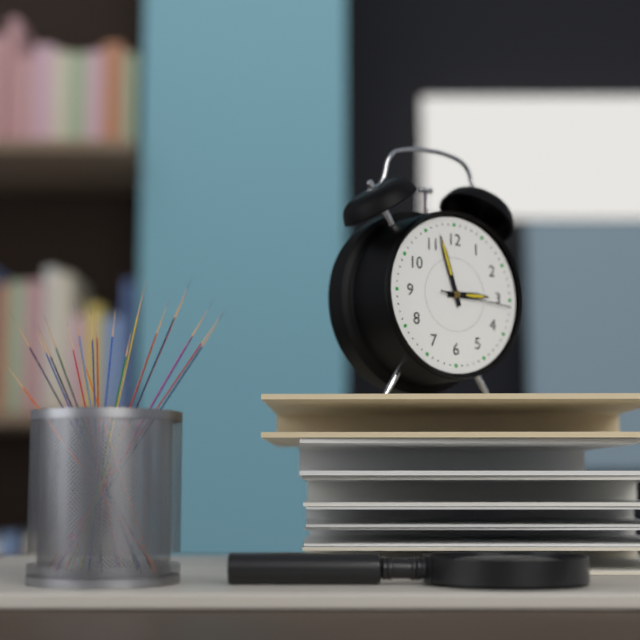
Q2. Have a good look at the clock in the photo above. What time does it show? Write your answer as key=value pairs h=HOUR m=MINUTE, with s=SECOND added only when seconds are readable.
h=2 m=57 s=16
